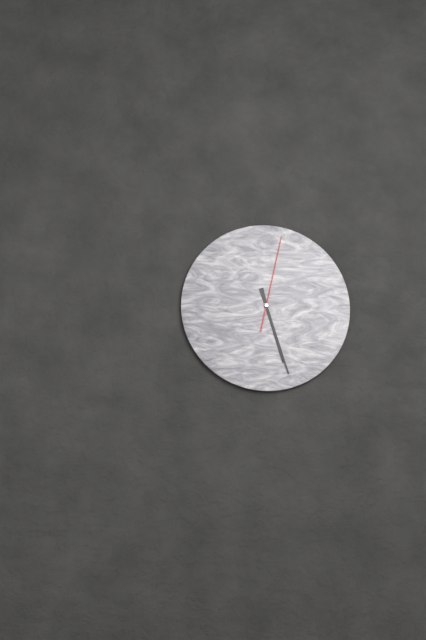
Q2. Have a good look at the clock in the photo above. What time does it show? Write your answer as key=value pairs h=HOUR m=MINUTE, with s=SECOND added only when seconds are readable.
h=5 m=27 s=2
